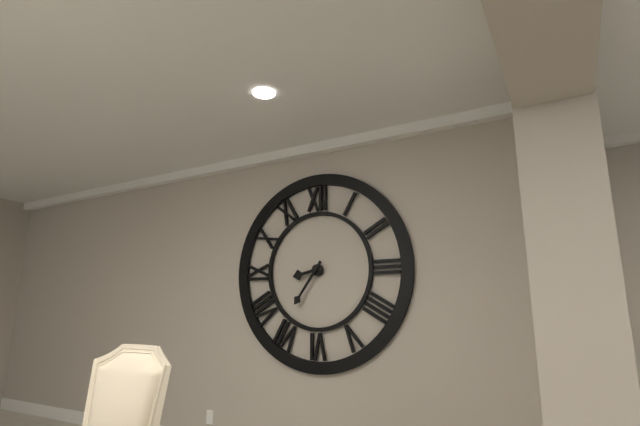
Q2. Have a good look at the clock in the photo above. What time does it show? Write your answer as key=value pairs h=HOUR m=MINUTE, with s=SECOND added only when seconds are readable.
h=8 m=36
